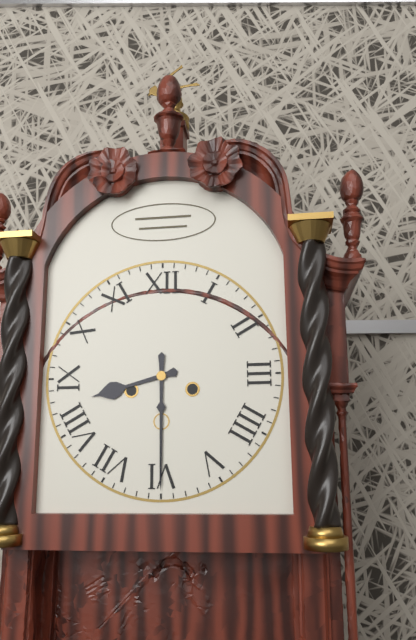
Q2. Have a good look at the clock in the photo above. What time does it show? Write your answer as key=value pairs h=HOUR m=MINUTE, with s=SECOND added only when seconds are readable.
h=8 m=30
